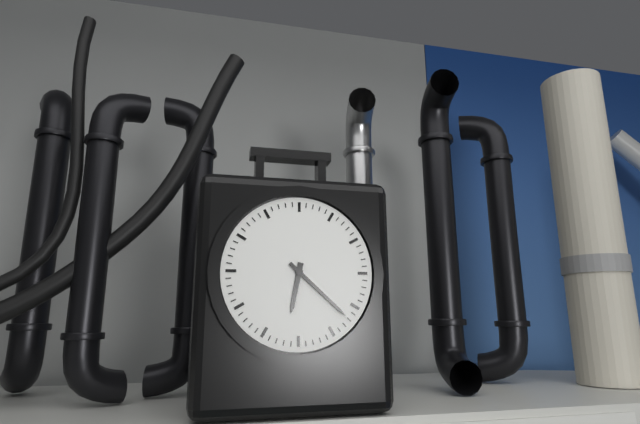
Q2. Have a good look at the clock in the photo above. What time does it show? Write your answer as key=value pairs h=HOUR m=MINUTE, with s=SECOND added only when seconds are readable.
h=6 m=22
